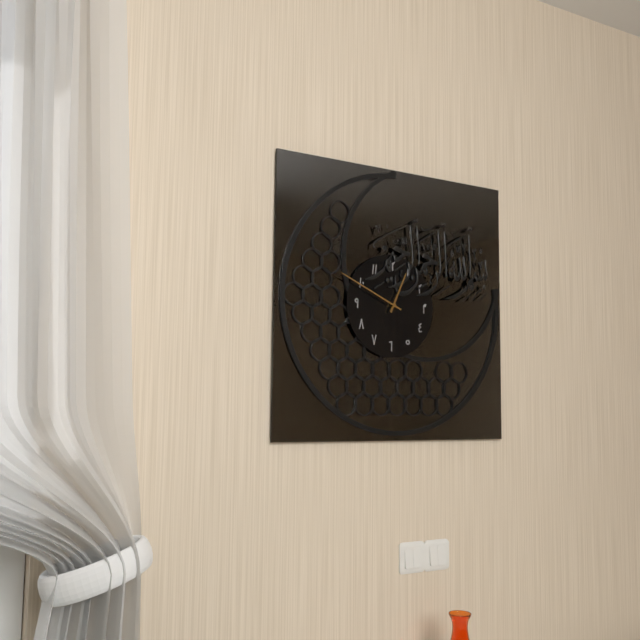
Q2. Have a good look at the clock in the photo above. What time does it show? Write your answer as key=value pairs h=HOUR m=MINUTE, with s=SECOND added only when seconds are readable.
h=12 m=49
